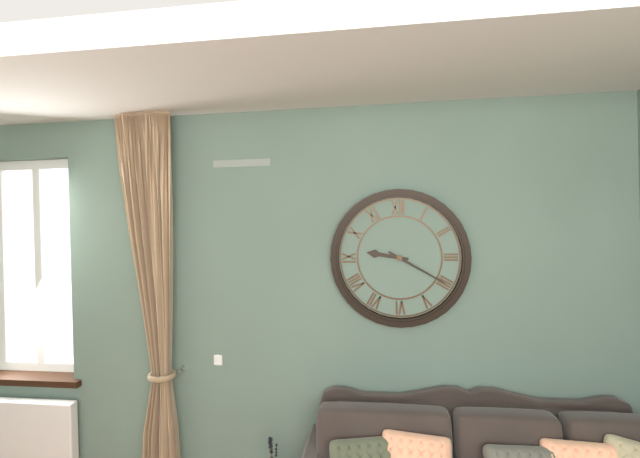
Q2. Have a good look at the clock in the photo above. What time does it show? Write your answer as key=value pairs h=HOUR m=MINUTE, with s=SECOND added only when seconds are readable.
h=9 m=20
